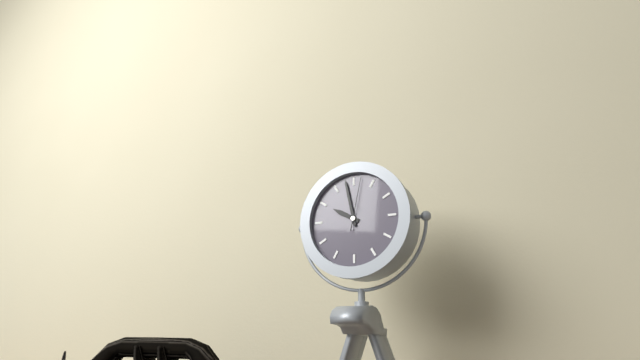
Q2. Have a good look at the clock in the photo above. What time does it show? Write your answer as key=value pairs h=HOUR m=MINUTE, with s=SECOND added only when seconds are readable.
h=9 m=58 s=2
